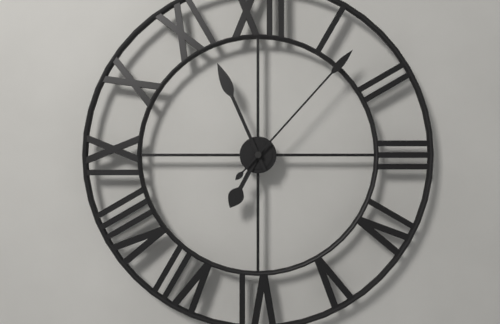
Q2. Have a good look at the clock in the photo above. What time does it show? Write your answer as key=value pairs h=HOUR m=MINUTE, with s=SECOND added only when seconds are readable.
h=6 m=56 s=7
